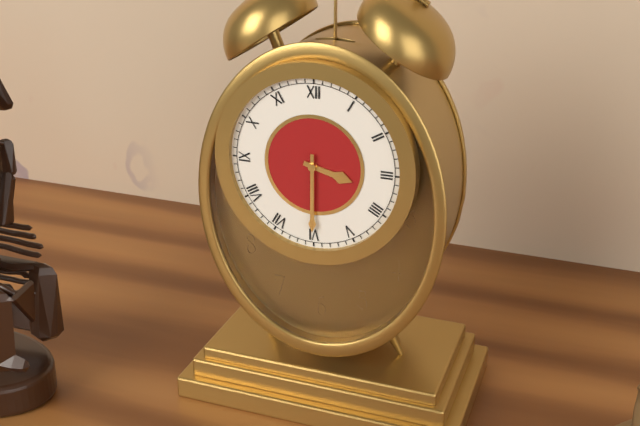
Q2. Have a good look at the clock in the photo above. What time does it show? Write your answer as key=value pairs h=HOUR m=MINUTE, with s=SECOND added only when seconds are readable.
h=3 m=30
